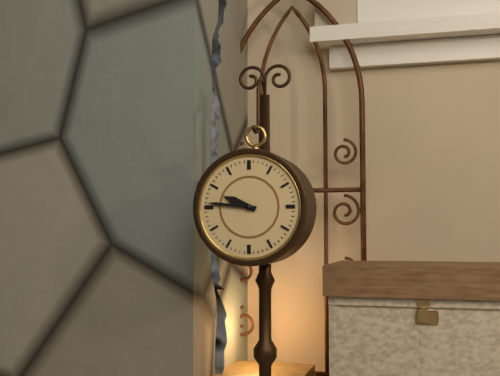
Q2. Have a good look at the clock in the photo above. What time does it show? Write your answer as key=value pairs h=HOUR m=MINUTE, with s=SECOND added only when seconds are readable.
h=9 m=46
